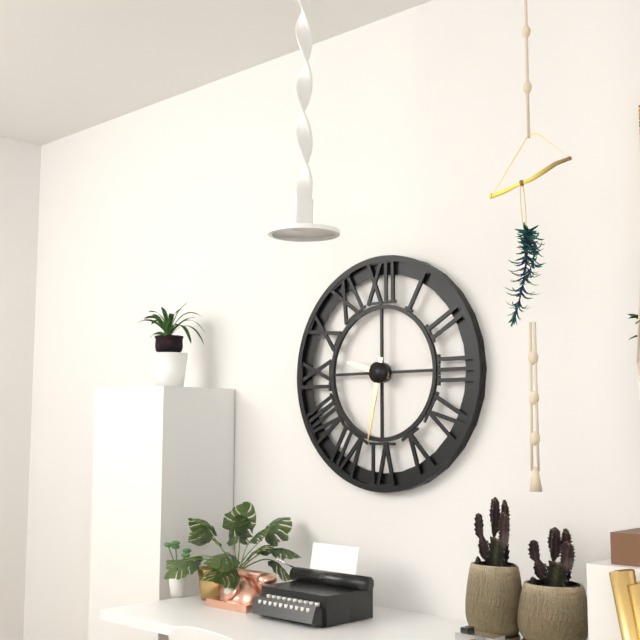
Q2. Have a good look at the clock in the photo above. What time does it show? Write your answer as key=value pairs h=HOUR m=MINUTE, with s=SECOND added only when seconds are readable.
h=9 m=32
